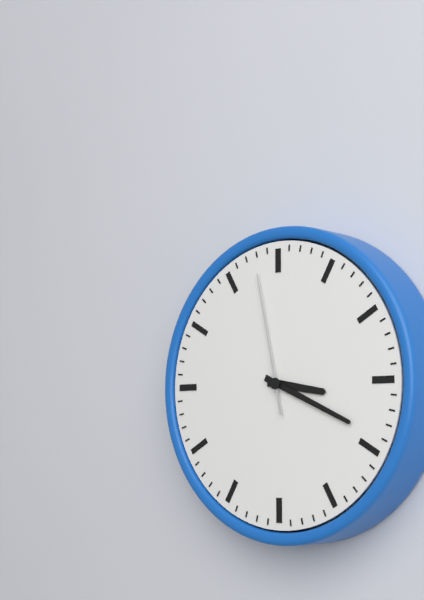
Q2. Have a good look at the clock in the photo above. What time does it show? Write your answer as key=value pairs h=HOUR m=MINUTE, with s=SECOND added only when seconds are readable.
h=3 m=19 s=58
